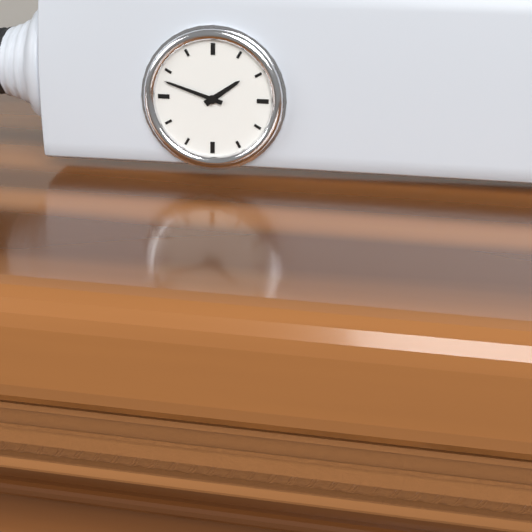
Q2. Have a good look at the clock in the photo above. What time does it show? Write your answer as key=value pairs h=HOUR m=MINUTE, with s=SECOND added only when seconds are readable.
h=1 m=48
